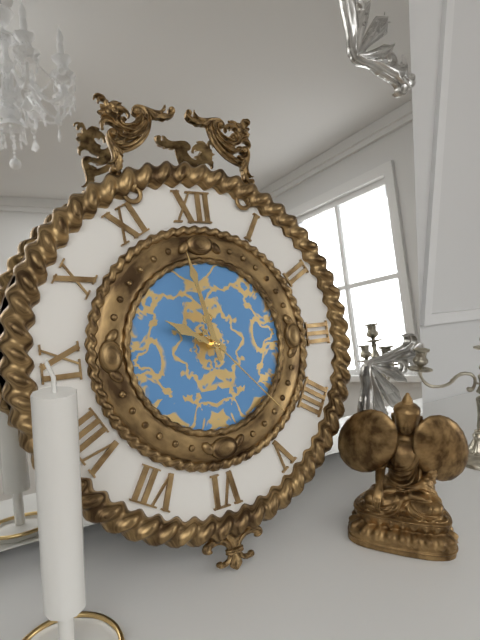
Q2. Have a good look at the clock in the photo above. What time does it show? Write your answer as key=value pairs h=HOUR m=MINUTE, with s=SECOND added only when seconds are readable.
h=9 m=58 s=23
